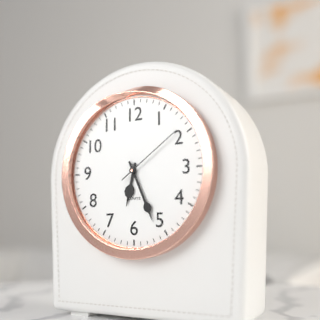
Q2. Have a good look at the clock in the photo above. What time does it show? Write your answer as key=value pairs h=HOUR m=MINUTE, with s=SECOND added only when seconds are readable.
h=6 m=26 s=9
